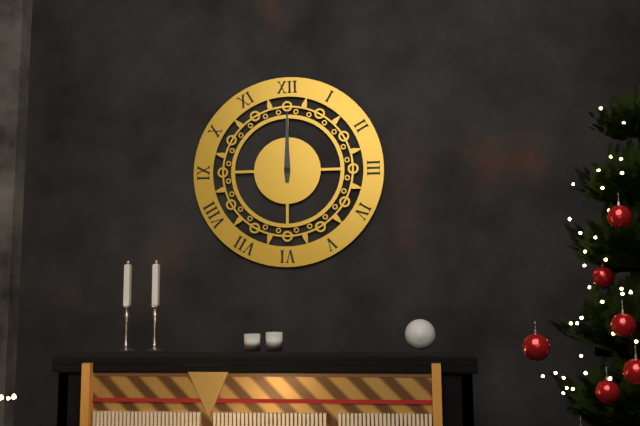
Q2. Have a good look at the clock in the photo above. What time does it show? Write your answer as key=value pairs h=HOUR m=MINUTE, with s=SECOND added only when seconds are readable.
h=12 m=0
